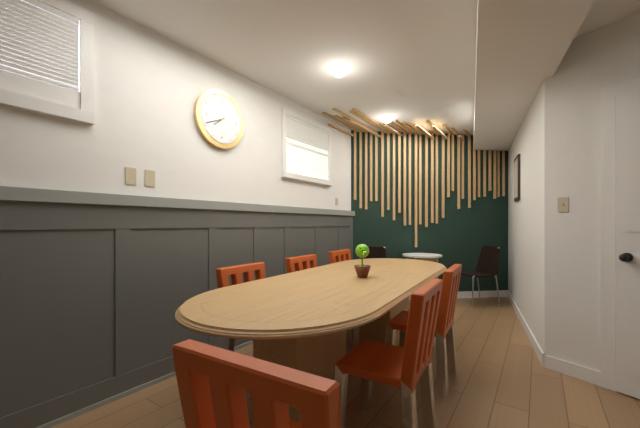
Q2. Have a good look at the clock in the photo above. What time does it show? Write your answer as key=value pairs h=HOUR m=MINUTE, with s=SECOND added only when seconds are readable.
h=7 m=41
